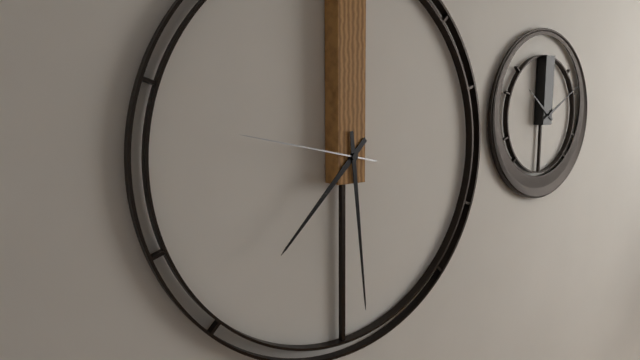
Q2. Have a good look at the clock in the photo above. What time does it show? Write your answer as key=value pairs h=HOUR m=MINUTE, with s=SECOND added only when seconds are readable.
h=7 m=29 s=47
